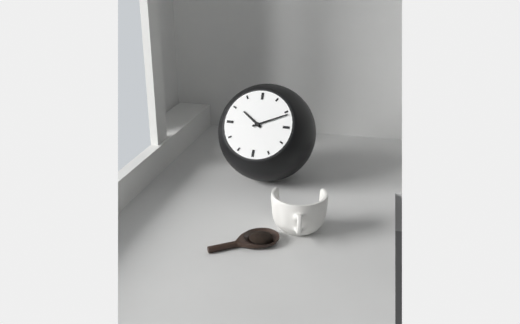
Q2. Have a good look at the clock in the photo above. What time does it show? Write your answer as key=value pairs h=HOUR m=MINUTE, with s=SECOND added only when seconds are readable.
h=10 m=11
